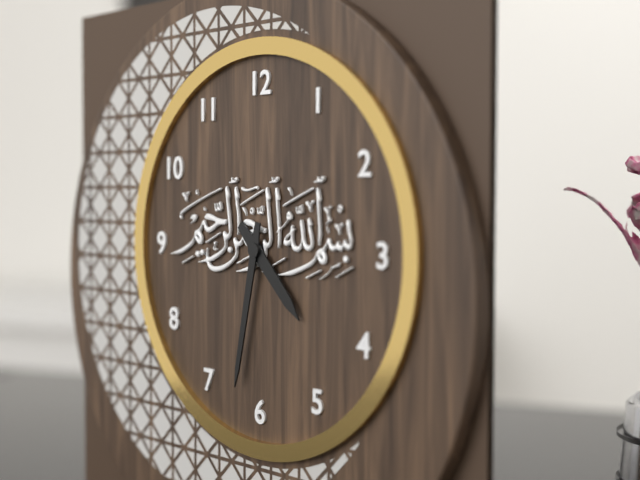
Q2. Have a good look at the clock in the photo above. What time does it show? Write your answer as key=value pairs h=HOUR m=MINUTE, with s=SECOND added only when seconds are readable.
h=4 m=32
